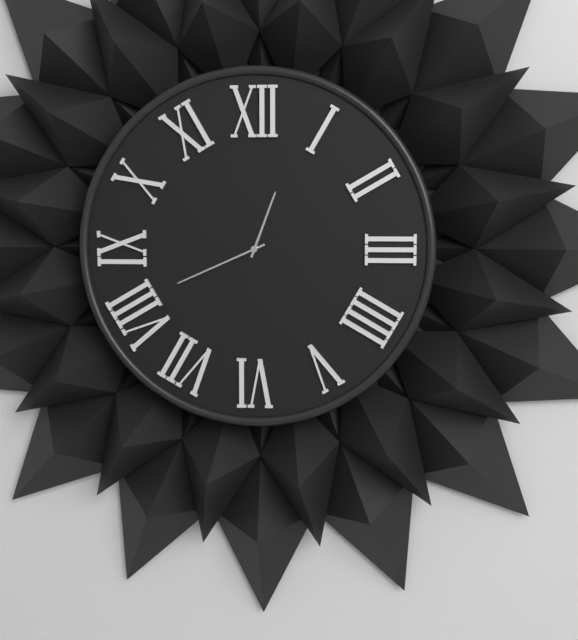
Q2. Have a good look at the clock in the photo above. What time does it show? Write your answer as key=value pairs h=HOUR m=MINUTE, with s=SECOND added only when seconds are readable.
h=12 m=41
